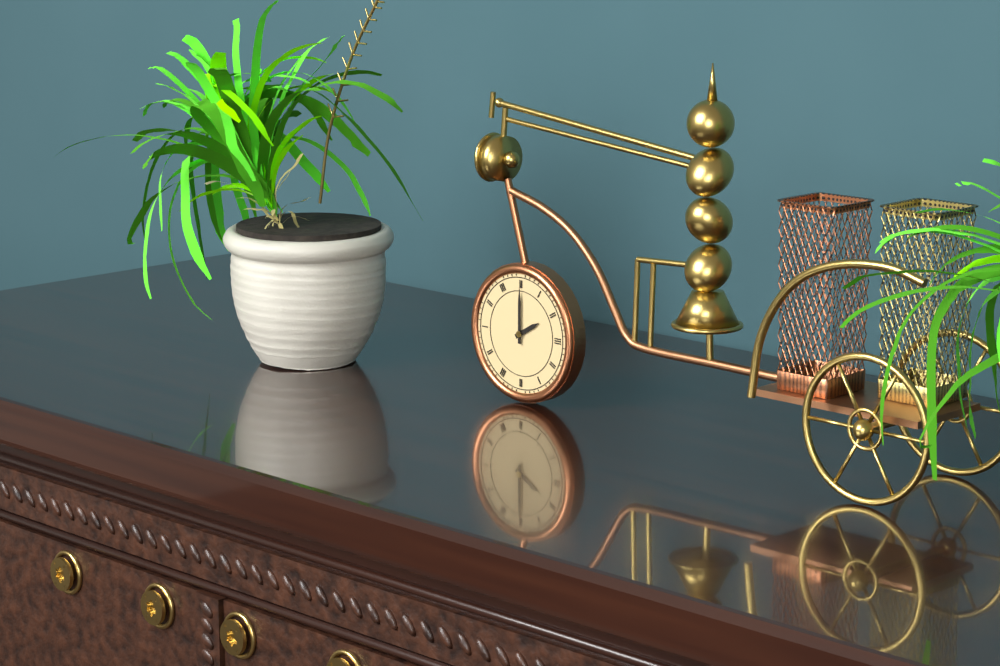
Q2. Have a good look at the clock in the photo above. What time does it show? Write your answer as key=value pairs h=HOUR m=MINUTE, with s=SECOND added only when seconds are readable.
h=2 m=0
